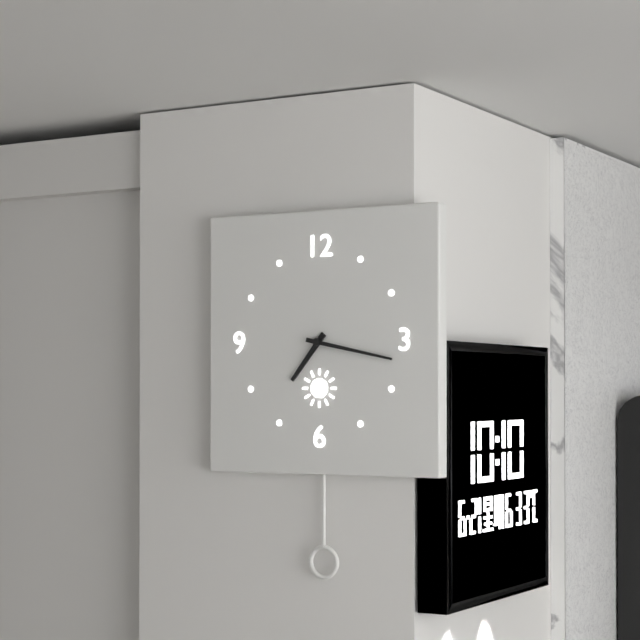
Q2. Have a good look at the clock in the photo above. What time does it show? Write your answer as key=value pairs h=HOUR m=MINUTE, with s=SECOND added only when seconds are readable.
h=7 m=17
